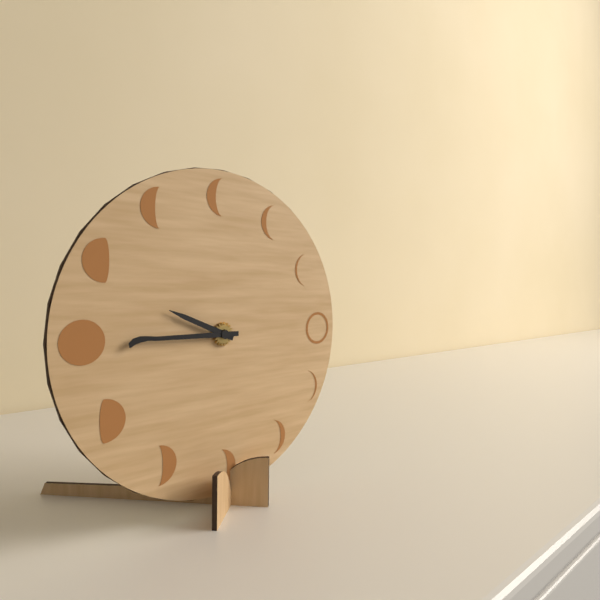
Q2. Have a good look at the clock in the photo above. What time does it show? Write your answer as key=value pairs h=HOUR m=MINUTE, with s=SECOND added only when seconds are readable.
h=9 m=45
